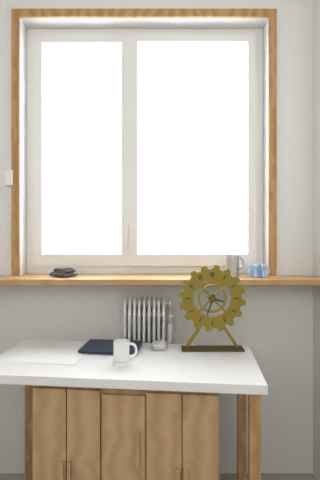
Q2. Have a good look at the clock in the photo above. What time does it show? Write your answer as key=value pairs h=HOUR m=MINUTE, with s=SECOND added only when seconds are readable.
h=3 m=33
